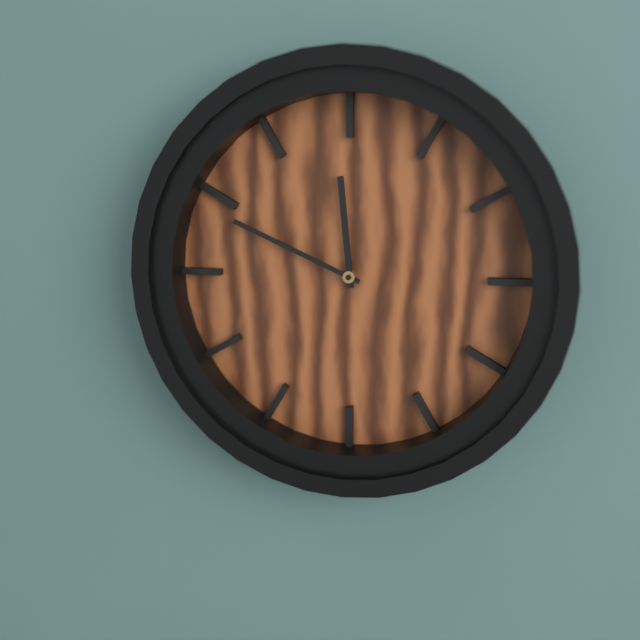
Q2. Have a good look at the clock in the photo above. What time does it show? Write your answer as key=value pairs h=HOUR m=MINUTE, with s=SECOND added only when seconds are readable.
h=11 m=49
